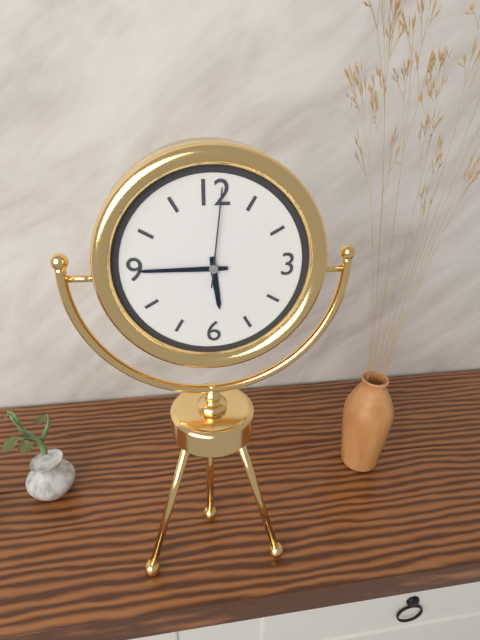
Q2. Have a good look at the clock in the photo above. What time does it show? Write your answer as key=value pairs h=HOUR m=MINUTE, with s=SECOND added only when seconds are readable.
h=5 m=45 s=1
